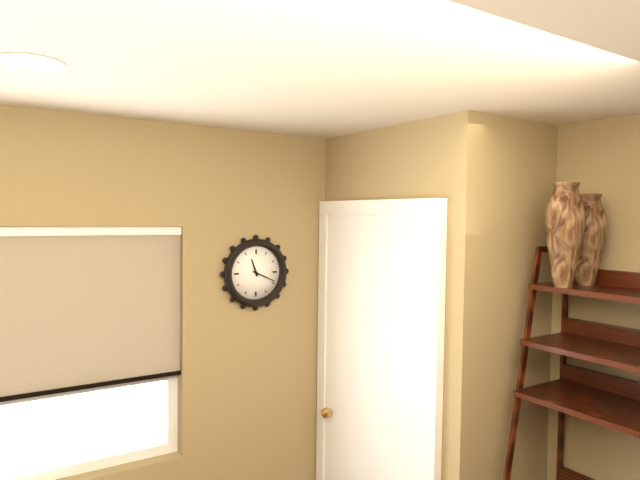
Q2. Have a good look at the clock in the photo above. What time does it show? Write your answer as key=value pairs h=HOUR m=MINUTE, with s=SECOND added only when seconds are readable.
h=11 m=19
